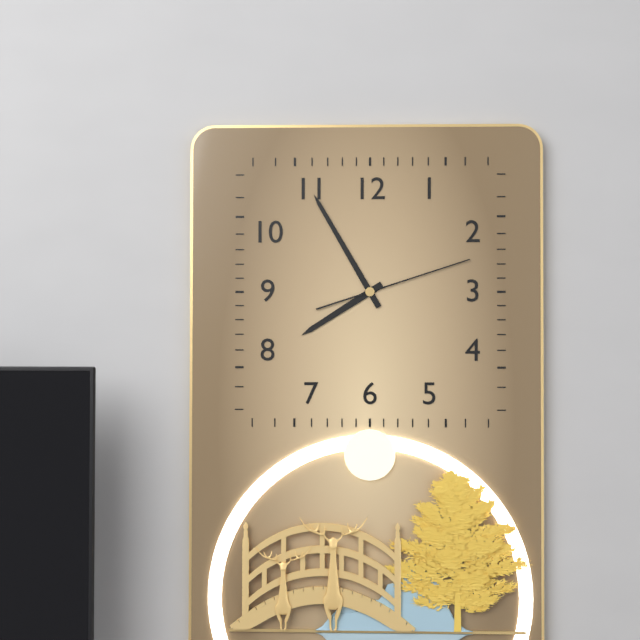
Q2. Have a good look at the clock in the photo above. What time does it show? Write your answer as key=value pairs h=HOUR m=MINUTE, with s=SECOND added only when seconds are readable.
h=7 m=55 s=12
